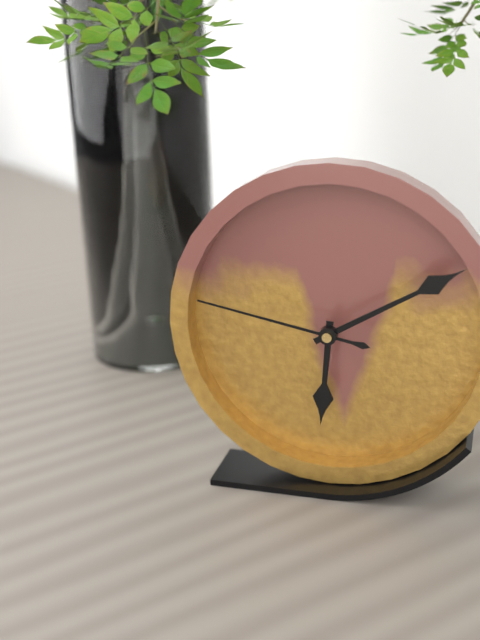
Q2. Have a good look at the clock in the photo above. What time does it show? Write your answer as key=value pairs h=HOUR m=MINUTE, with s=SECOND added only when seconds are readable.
h=6 m=10 s=47
